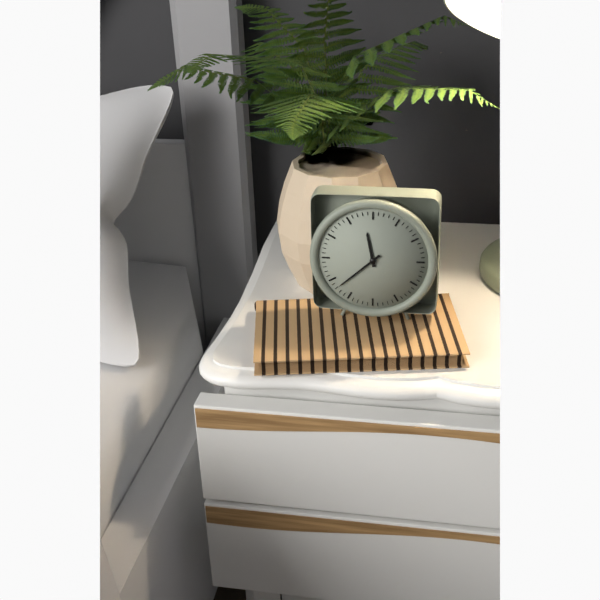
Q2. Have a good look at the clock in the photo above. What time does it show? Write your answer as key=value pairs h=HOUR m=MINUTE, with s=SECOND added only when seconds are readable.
h=11 m=38
